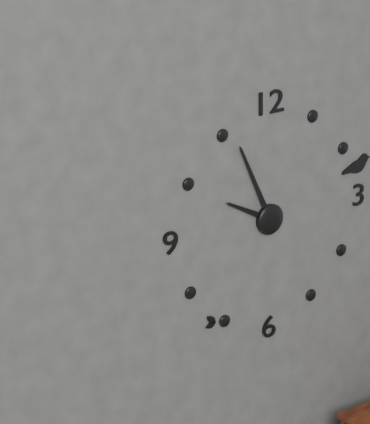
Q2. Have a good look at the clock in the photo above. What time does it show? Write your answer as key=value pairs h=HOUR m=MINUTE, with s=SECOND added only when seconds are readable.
h=9 m=56
